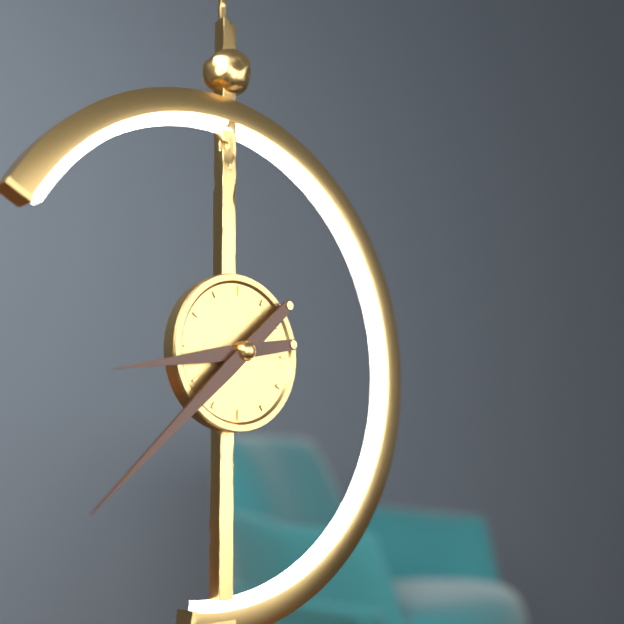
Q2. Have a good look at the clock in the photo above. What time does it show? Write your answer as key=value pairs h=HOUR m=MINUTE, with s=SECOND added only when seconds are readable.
h=8 m=38
